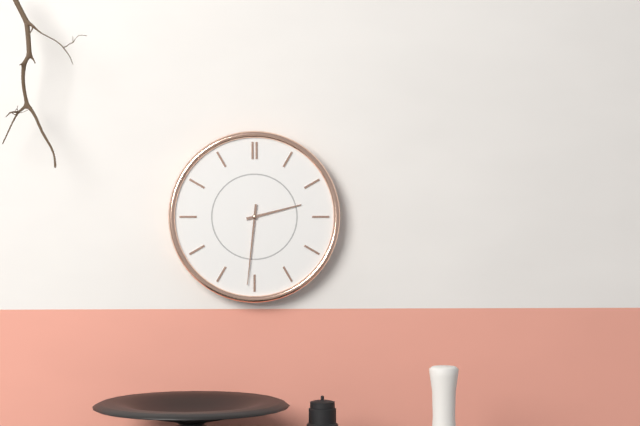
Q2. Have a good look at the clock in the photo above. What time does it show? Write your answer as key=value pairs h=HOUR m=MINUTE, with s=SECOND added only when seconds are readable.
h=2 m=31
